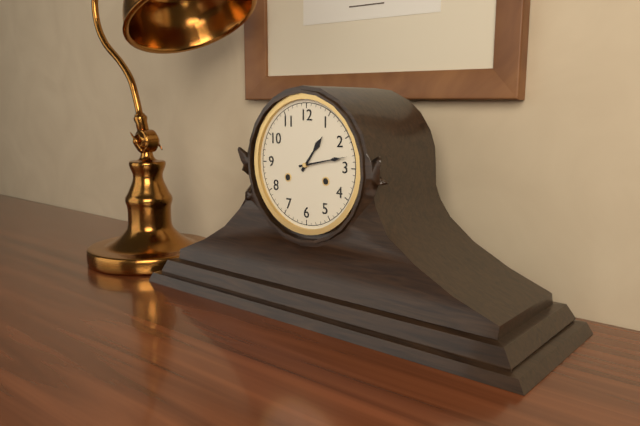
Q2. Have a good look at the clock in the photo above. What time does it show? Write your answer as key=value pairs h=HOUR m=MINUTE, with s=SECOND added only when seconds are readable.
h=1 m=13
